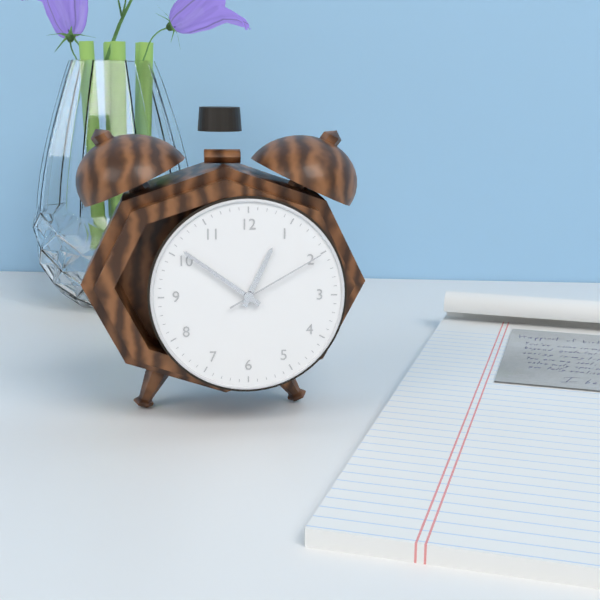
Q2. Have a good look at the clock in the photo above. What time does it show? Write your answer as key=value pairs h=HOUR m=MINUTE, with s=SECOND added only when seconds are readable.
h=12 m=51 s=10
